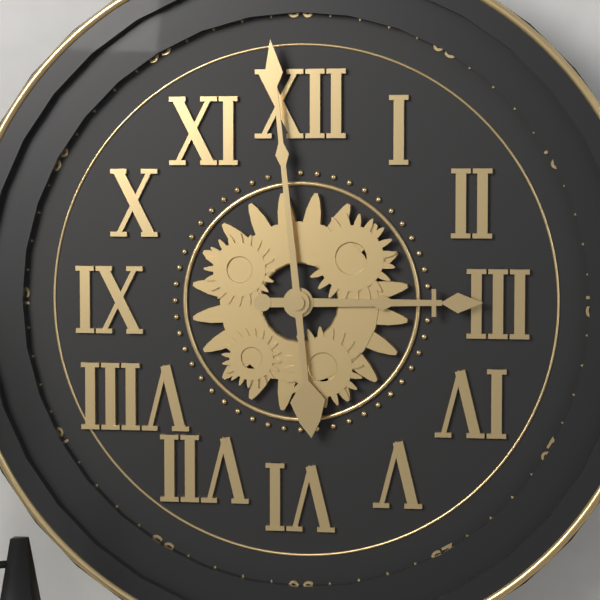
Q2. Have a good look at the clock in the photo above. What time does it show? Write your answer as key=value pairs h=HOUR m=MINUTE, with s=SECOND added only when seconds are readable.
h=2 m=59
